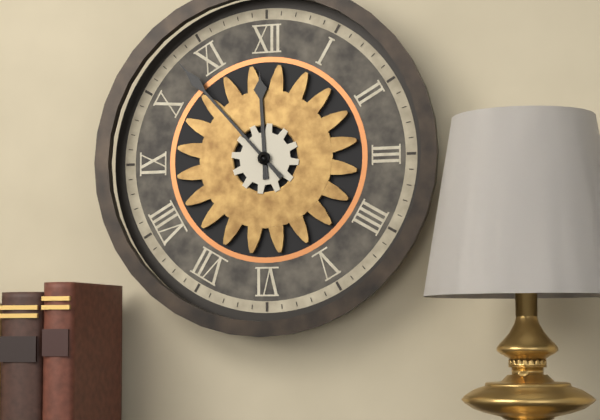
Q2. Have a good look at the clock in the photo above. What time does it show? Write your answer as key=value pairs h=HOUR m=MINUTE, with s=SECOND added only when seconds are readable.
h=11 m=53
